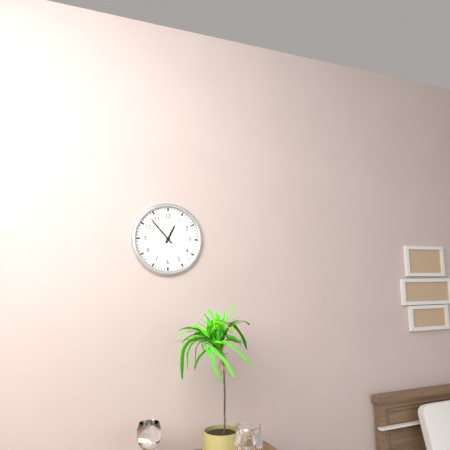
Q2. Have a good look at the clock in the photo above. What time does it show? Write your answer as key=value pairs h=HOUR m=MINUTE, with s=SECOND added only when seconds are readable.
h=12 m=53
